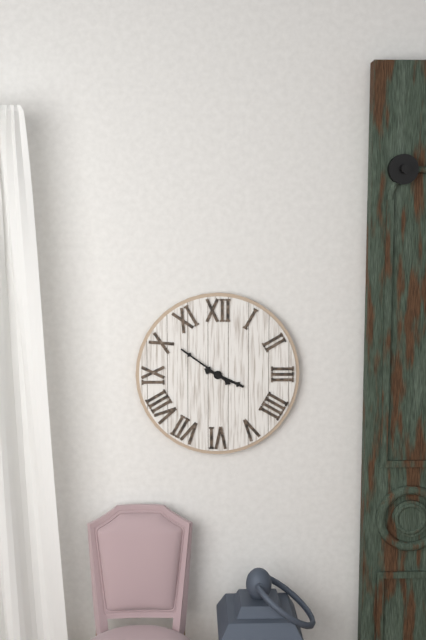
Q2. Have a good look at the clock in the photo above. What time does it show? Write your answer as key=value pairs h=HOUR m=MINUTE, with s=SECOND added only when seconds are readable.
h=3 m=51
